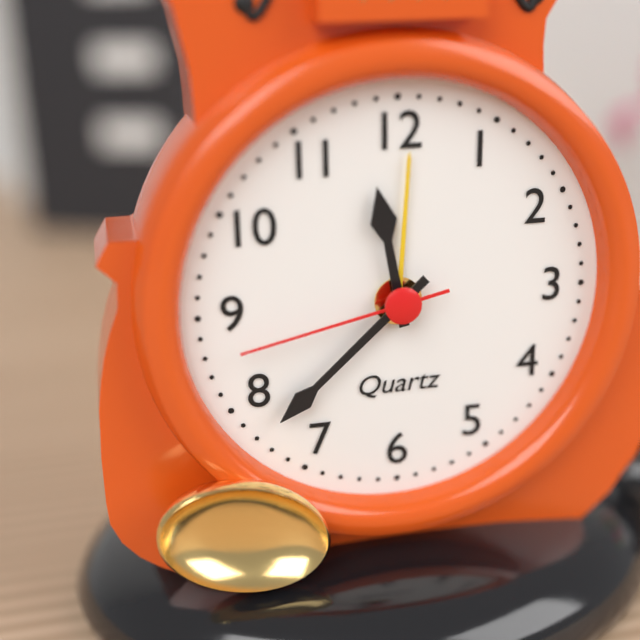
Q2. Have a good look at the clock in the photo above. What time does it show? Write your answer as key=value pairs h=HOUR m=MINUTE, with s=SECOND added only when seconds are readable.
h=11 m=38 s=43
